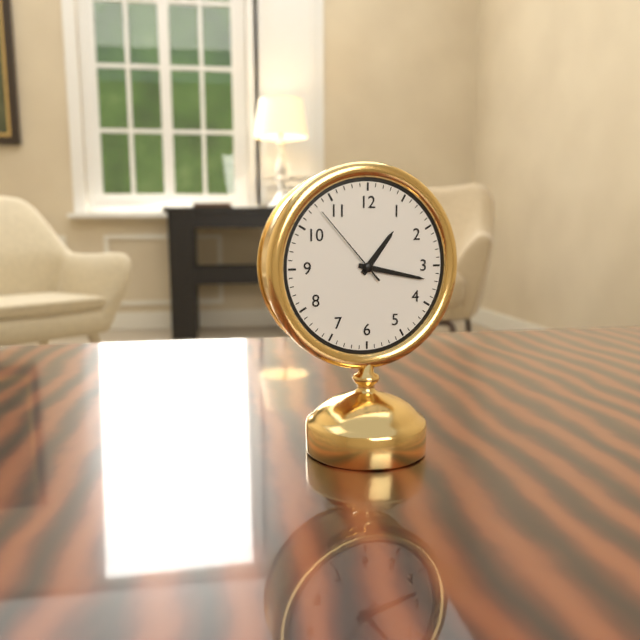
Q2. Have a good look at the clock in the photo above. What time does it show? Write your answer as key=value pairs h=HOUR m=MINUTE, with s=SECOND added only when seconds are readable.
h=1 m=17 s=53
